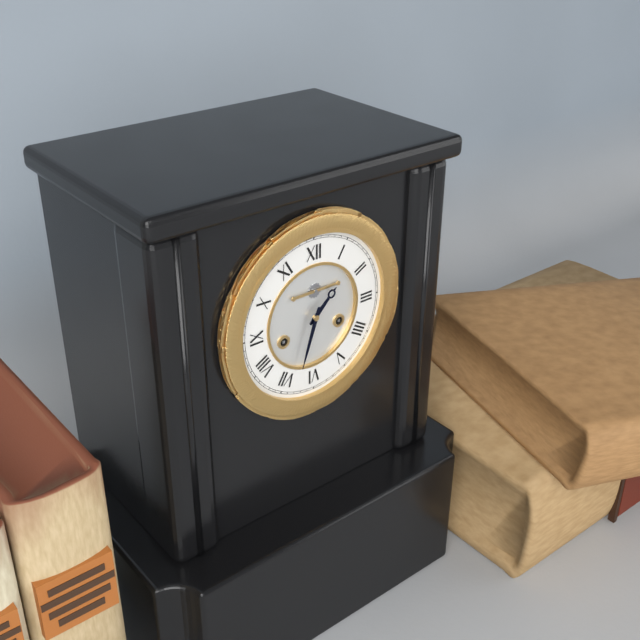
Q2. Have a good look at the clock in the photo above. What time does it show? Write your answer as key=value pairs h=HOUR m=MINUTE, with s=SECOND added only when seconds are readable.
h=1 m=33
